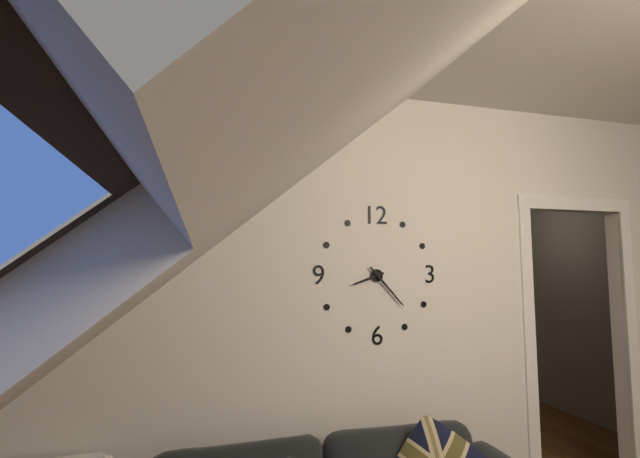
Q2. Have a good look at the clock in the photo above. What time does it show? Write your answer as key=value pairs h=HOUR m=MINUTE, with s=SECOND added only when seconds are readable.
h=8 m=23
